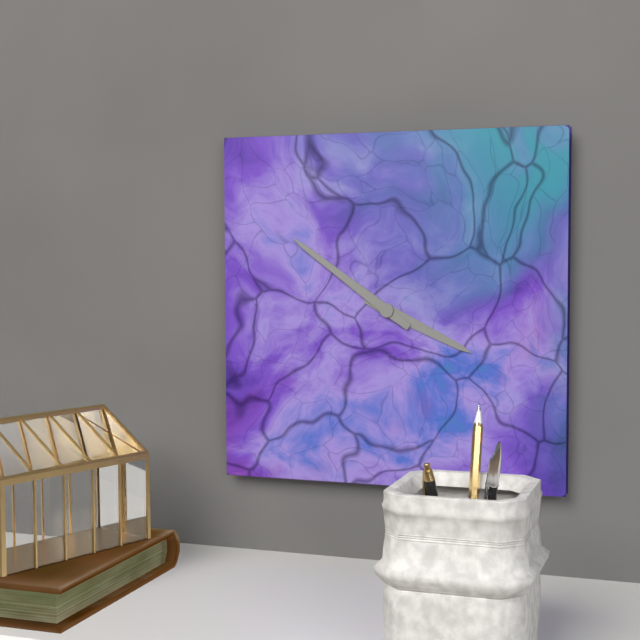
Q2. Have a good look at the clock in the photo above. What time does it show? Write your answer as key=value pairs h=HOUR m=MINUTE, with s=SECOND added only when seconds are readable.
h=3 m=51
